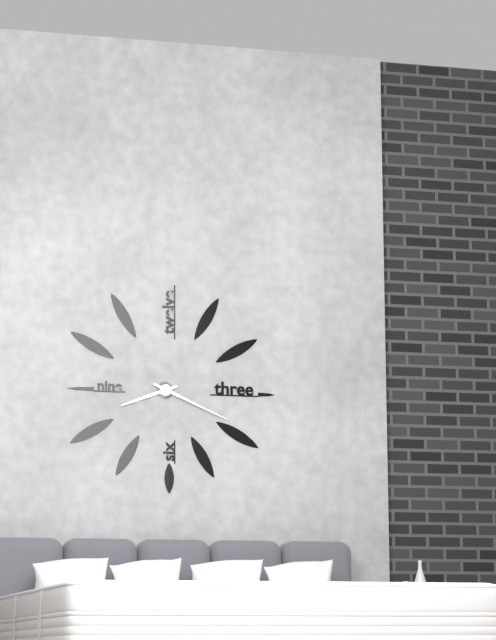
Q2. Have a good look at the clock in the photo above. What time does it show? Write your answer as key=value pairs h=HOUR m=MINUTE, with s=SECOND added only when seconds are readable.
h=8 m=19
